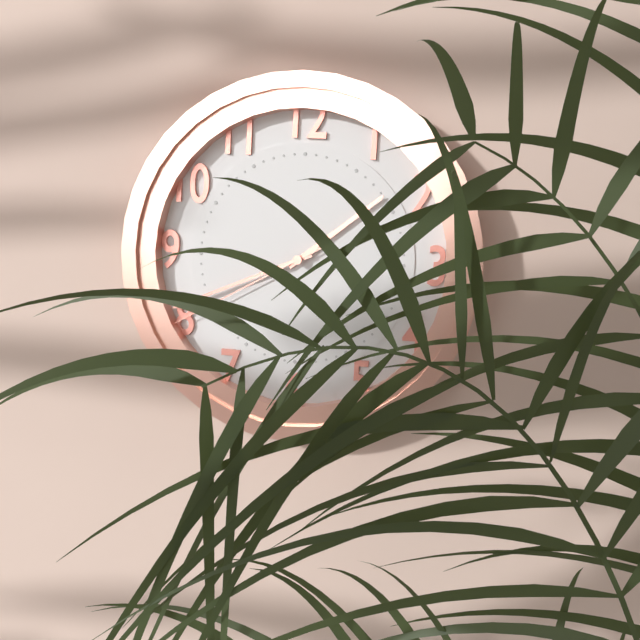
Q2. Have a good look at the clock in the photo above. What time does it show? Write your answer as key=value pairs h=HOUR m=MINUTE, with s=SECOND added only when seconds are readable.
h=1 m=41 s=40
